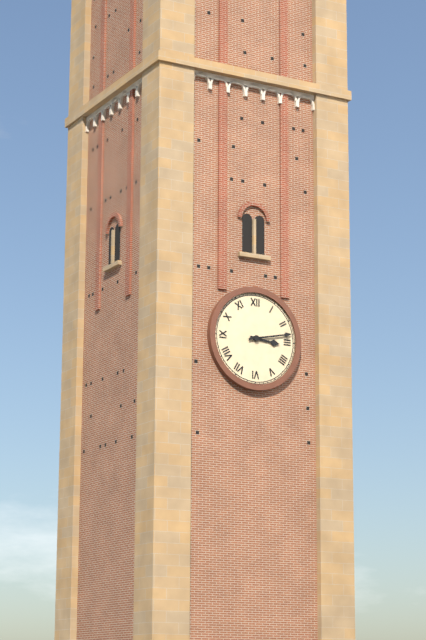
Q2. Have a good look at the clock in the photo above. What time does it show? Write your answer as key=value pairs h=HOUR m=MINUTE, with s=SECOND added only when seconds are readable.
h=3 m=13
